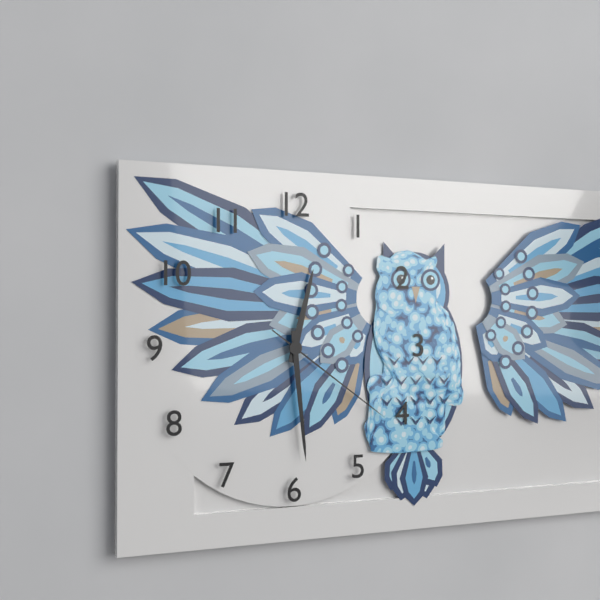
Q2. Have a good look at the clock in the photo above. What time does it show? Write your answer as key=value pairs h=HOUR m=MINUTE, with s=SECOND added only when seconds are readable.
h=12 m=29 s=21
